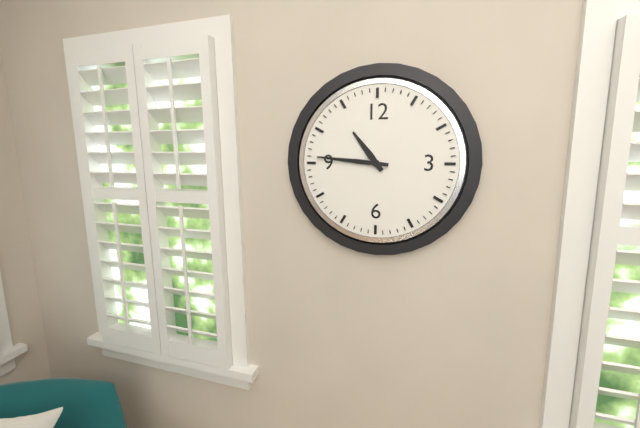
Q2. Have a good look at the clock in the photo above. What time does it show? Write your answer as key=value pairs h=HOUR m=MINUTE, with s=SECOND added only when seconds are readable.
h=10 m=46
